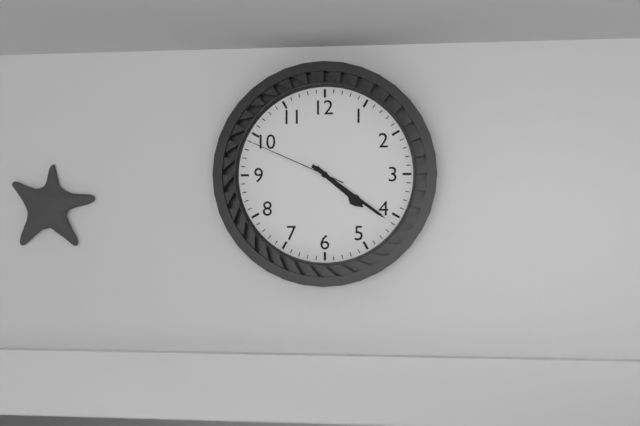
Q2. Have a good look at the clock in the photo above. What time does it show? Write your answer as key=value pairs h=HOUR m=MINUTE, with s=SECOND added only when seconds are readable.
h=4 m=21 s=49
